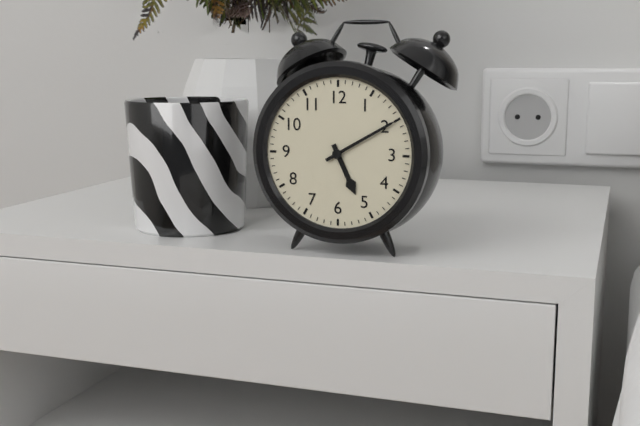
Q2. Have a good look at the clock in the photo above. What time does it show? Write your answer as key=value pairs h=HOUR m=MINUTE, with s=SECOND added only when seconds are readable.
h=5 m=10
